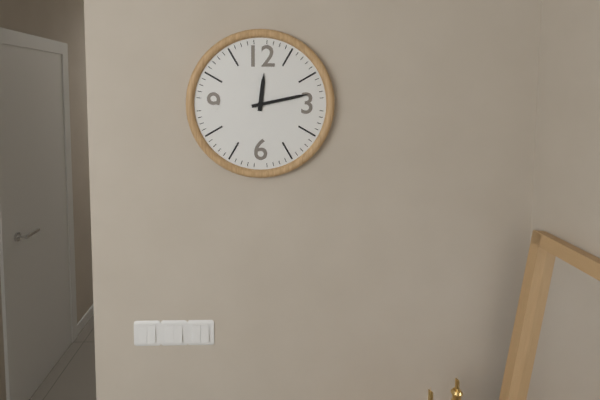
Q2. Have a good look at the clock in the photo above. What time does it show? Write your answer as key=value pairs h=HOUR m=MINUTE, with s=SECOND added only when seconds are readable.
h=12 m=13
